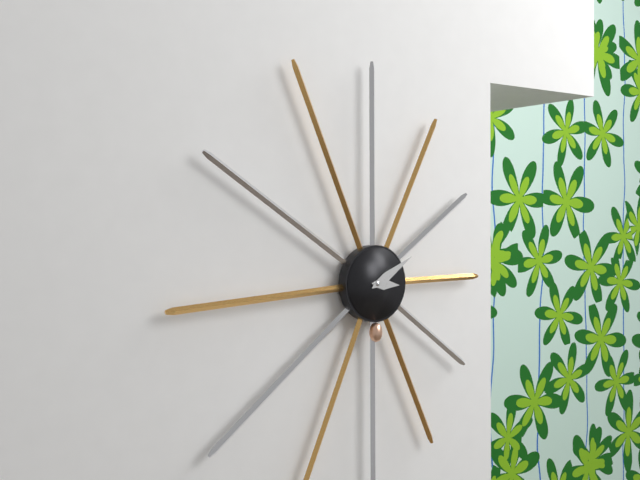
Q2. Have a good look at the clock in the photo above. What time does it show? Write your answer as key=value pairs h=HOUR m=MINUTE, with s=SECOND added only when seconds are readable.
h=3 m=10
